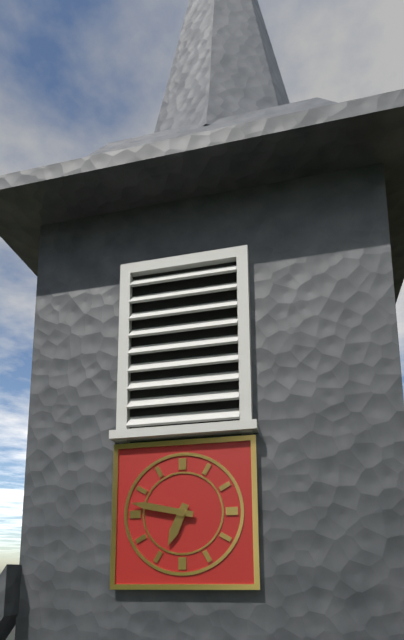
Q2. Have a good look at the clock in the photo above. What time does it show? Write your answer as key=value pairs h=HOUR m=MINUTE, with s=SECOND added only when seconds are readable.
h=6 m=47
